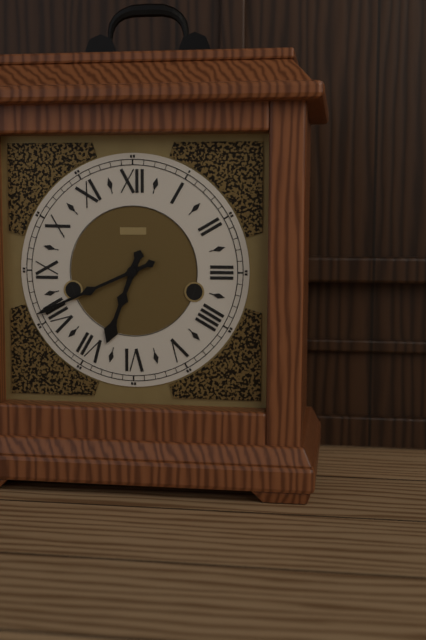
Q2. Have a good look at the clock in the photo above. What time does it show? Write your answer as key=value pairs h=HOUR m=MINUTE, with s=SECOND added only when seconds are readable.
h=6 m=41
